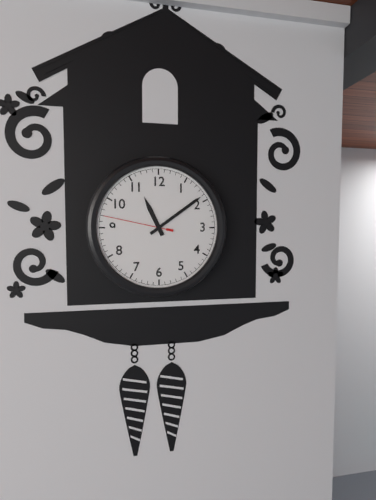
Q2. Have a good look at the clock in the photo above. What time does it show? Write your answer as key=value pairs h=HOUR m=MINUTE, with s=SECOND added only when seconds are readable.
h=11 m=9 s=47
